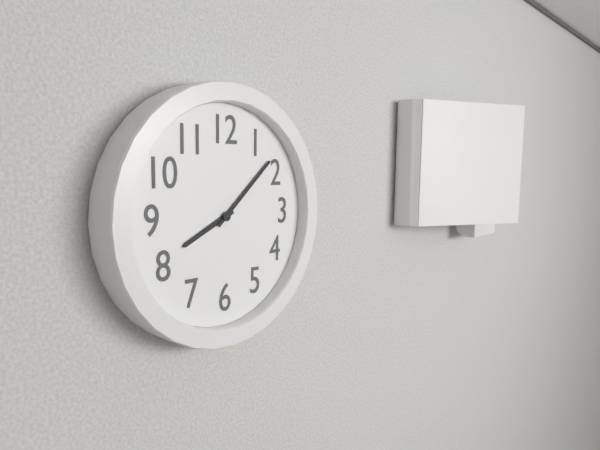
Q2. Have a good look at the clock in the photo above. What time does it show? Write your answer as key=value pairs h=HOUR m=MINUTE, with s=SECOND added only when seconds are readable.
h=8 m=8
